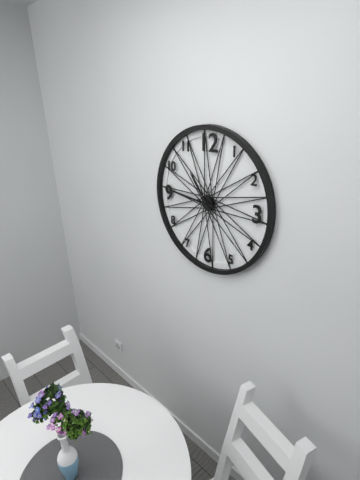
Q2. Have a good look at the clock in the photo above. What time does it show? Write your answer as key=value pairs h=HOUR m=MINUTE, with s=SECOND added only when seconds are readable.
h=10 m=46
